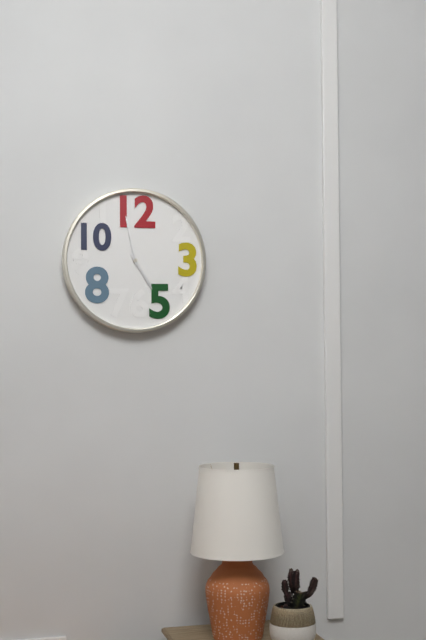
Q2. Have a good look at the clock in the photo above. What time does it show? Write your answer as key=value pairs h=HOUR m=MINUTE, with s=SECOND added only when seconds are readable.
h=4 m=58
